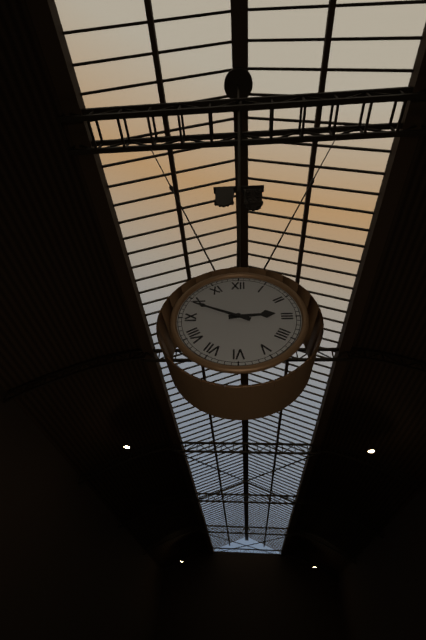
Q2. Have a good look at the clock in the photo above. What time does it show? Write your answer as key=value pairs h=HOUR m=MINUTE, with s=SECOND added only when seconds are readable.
h=2 m=49
